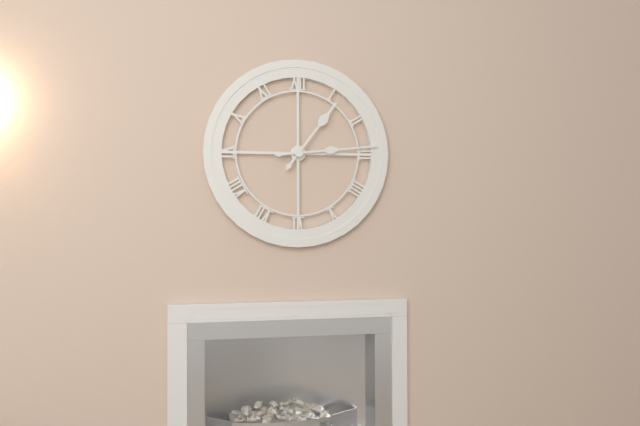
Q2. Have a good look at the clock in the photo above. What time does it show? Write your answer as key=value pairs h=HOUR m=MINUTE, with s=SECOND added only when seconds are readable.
h=1 m=14
